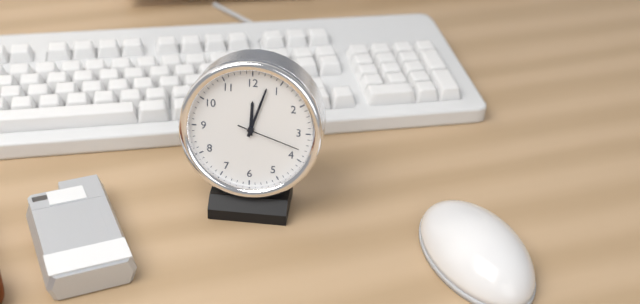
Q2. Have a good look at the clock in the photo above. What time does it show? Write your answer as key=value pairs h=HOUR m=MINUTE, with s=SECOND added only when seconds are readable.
h=12 m=3 s=18
